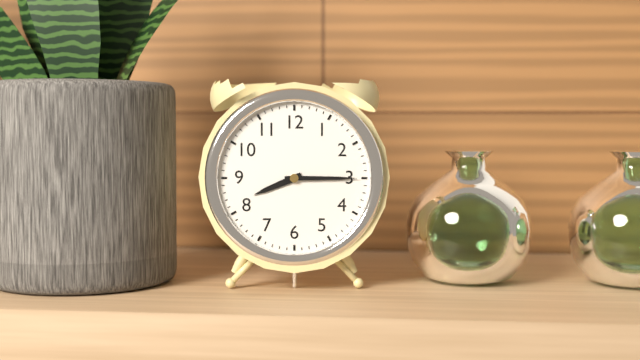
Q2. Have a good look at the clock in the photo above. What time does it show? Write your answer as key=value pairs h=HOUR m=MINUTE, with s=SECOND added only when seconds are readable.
h=8 m=15
